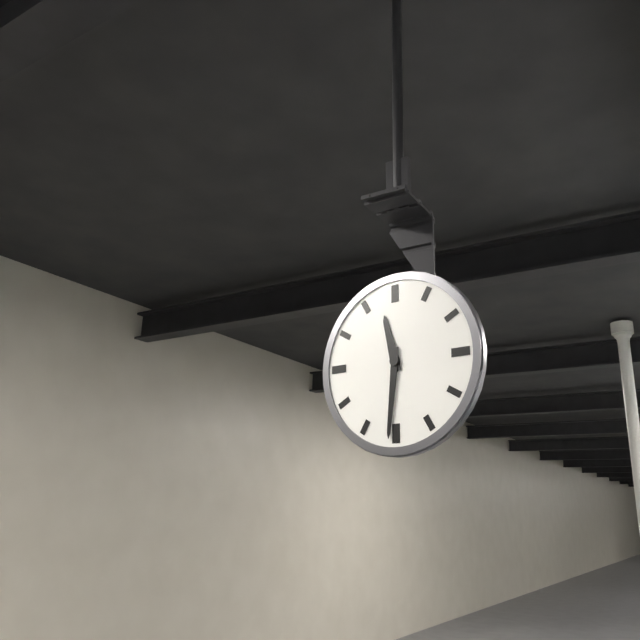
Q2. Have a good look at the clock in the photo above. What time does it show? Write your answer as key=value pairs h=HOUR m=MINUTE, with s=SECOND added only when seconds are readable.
h=11 m=31
